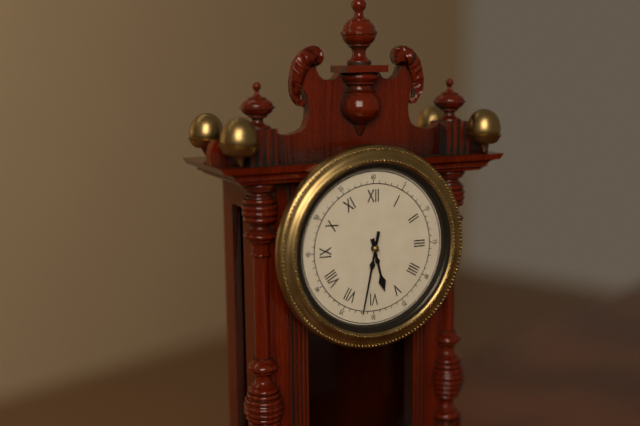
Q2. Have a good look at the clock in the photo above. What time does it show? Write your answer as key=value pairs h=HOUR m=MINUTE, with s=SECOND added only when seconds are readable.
h=5 m=32
